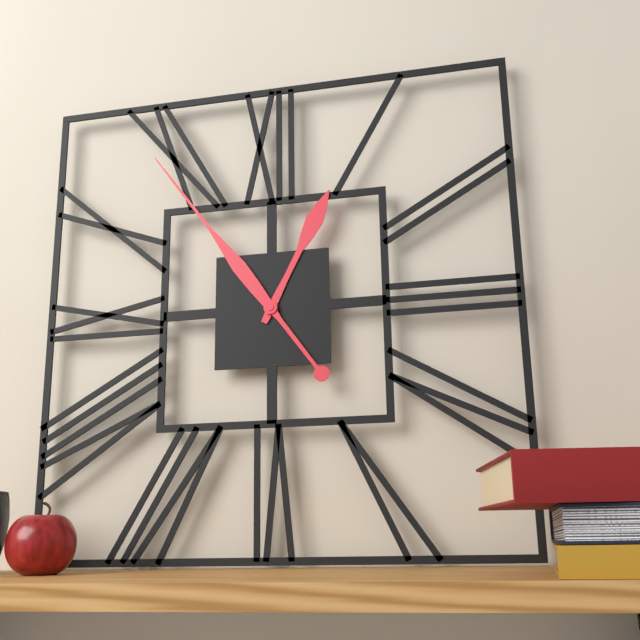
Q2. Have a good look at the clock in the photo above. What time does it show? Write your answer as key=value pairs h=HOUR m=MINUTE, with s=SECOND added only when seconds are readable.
h=12 m=54
